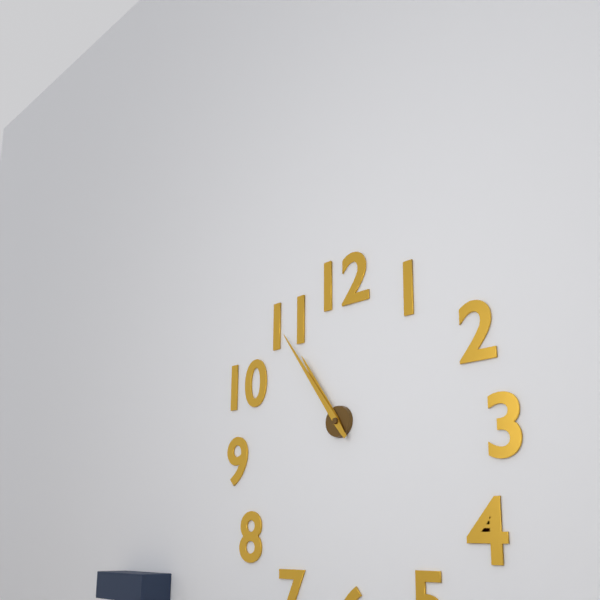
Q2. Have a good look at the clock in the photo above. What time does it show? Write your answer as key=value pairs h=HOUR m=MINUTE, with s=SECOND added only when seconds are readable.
h=10 m=54
